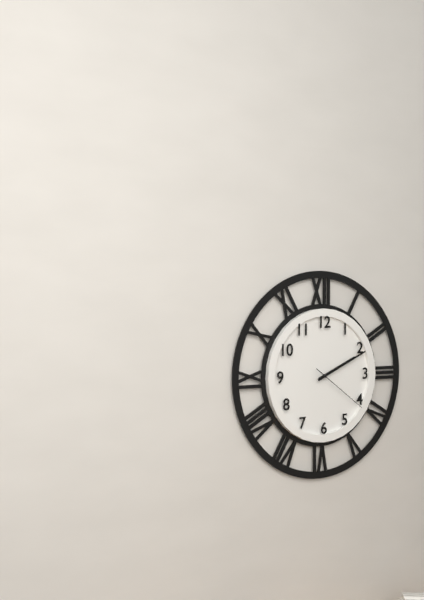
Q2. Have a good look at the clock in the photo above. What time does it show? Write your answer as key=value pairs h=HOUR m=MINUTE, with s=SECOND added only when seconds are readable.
h=2 m=11 s=21
